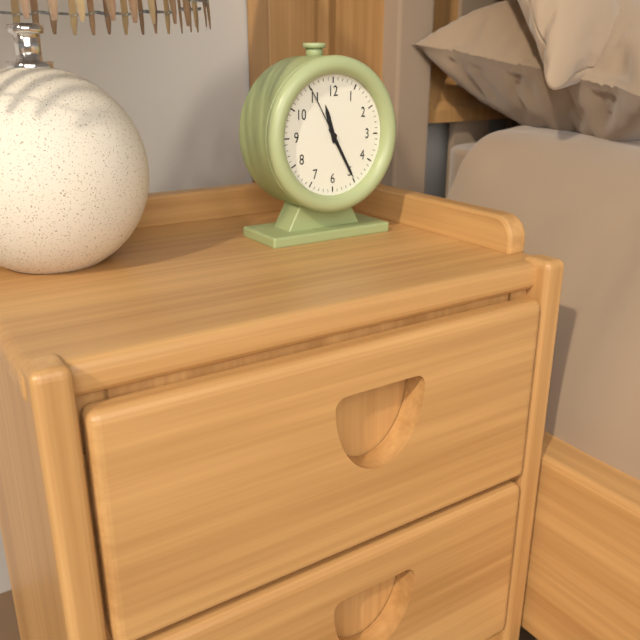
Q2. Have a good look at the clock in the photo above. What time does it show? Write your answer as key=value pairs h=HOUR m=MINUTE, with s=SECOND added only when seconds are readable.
h=11 m=25 s=55
